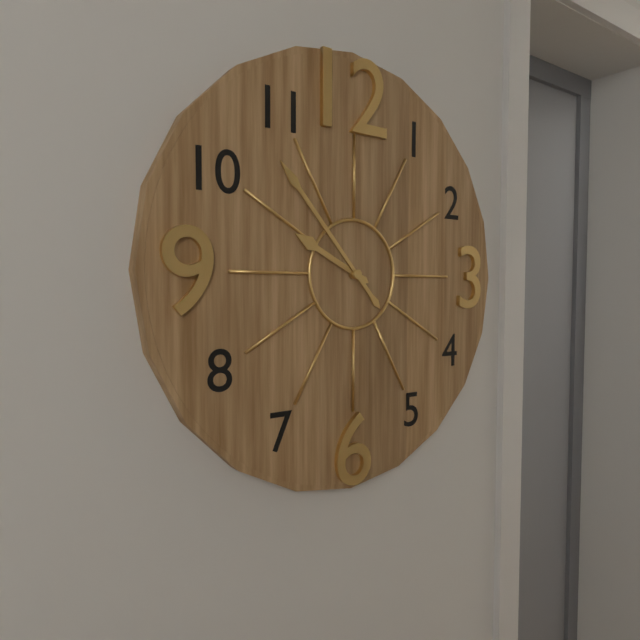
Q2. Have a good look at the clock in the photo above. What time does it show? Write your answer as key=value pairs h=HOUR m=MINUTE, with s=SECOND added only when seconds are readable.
h=9 m=53
